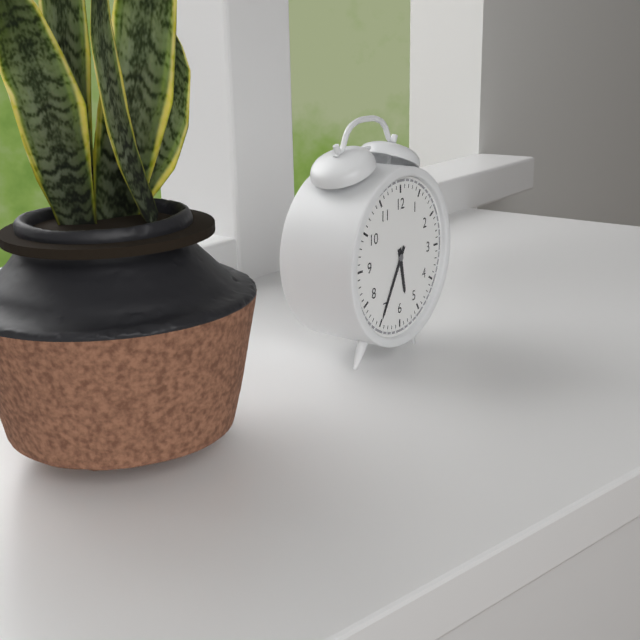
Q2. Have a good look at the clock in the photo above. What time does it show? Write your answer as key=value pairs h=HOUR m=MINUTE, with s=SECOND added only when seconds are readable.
h=5 m=35
